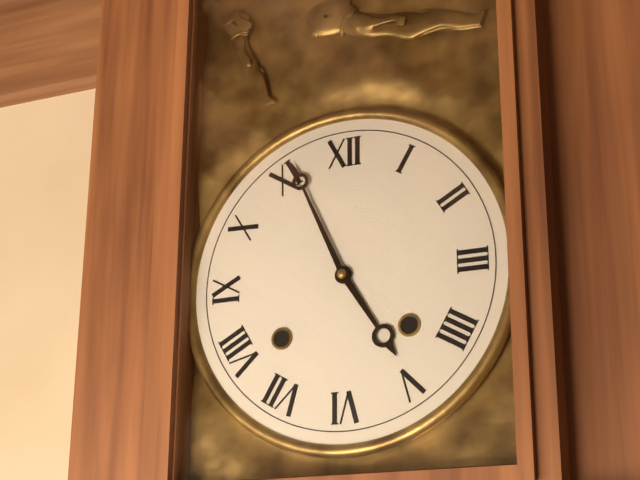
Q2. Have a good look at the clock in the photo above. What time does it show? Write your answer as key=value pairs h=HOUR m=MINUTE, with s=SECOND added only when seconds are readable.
h=4 m=56
